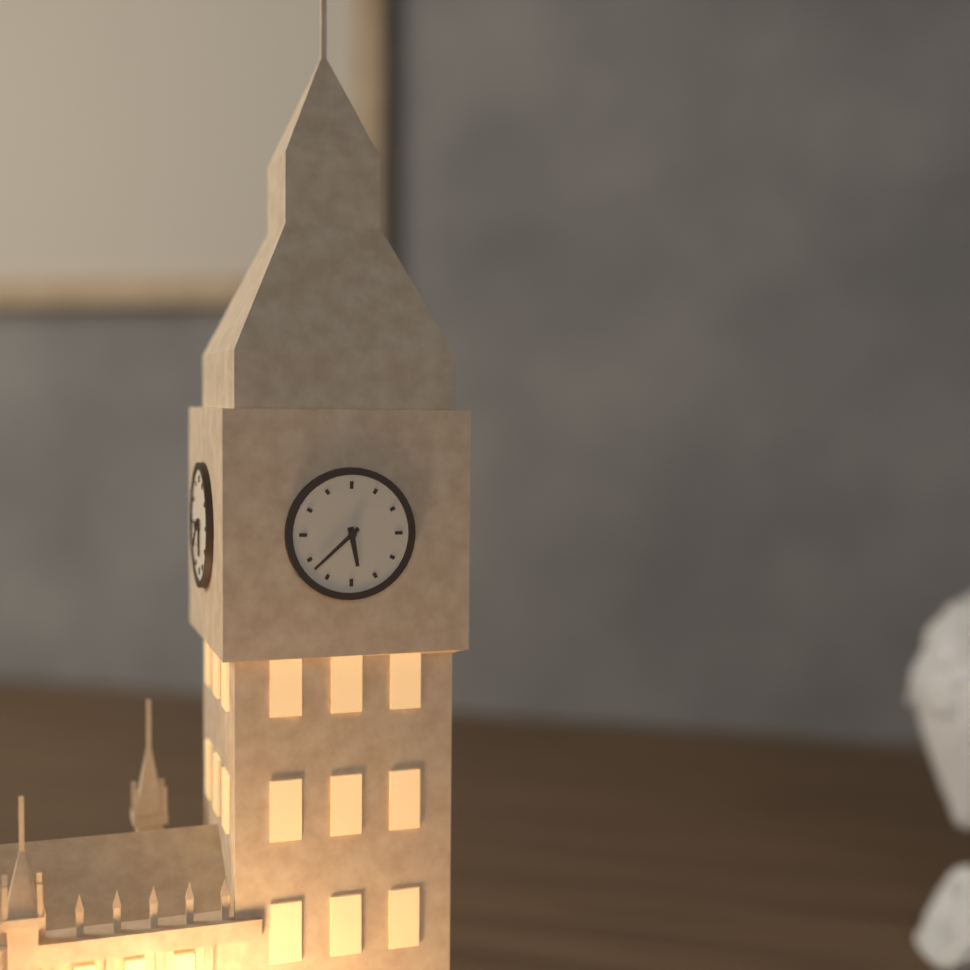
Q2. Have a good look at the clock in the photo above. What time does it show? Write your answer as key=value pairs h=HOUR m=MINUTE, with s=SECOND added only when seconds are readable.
h=5 m=38
